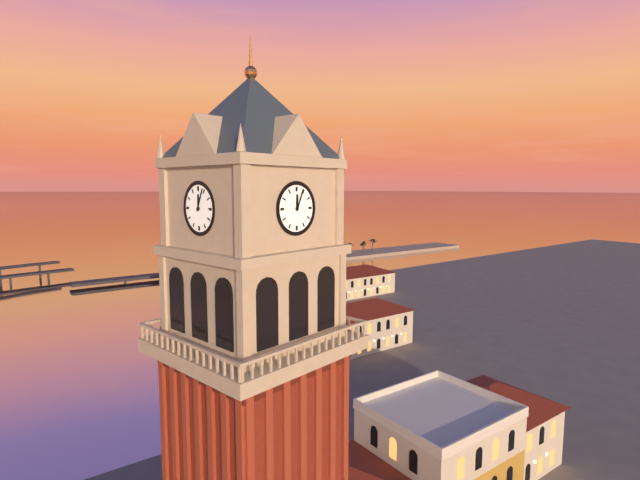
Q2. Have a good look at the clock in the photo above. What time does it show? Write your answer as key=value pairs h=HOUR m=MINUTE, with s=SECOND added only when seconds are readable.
h=12 m=4
